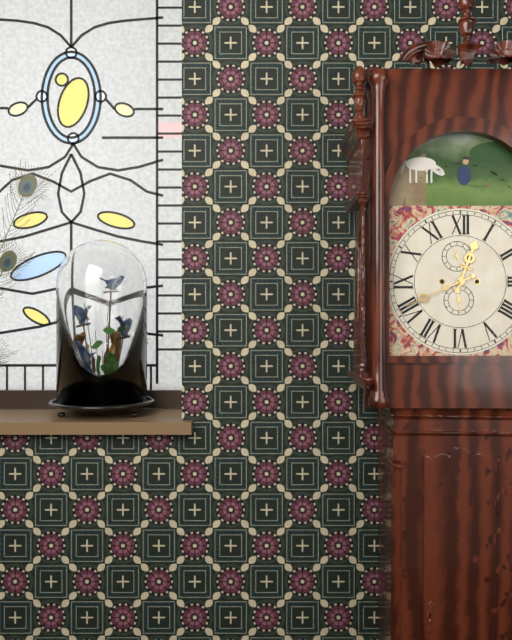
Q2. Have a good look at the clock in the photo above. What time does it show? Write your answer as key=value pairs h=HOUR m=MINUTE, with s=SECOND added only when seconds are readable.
h=12 m=41
